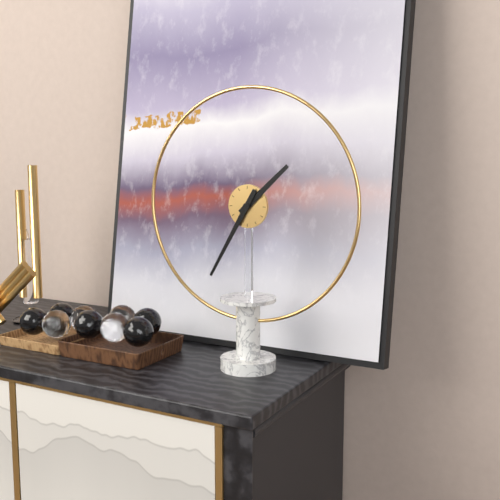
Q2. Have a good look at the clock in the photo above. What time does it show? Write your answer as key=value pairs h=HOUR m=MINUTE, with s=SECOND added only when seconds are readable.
h=1 m=35
